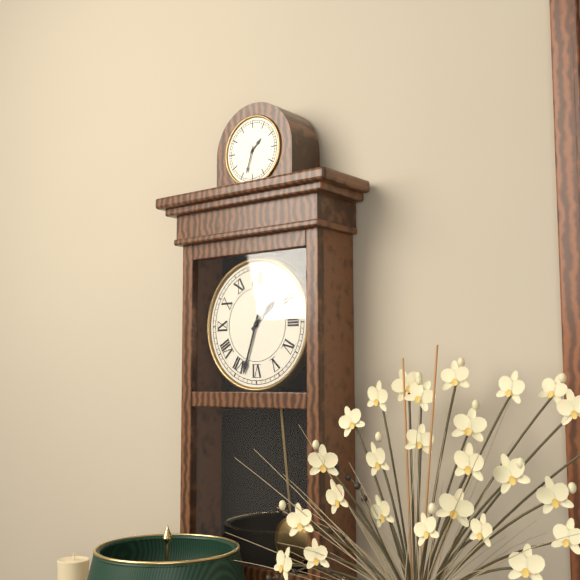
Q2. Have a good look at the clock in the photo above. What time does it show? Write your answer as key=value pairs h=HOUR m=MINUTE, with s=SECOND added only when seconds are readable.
h=1 m=33
